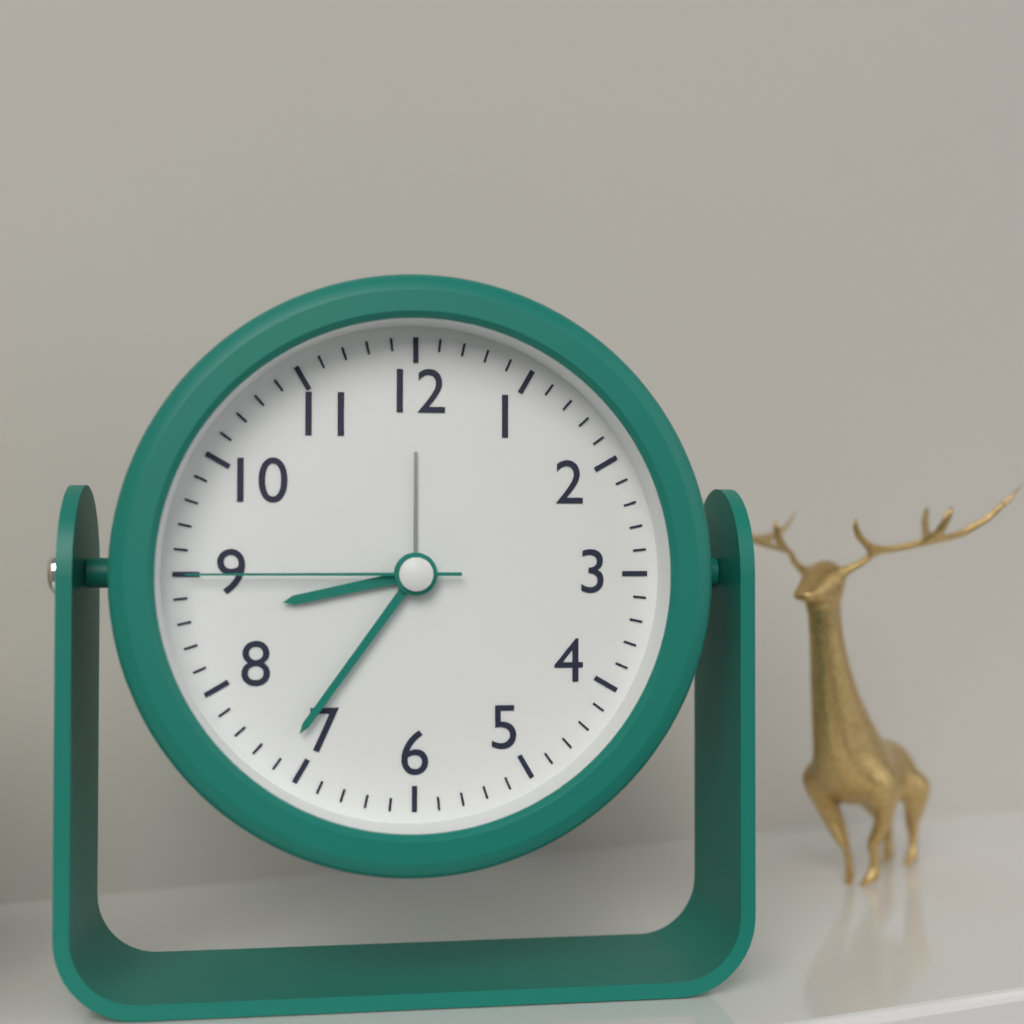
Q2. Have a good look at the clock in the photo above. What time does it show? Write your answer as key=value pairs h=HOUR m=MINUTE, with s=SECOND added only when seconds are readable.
h=8 m=36 s=45
